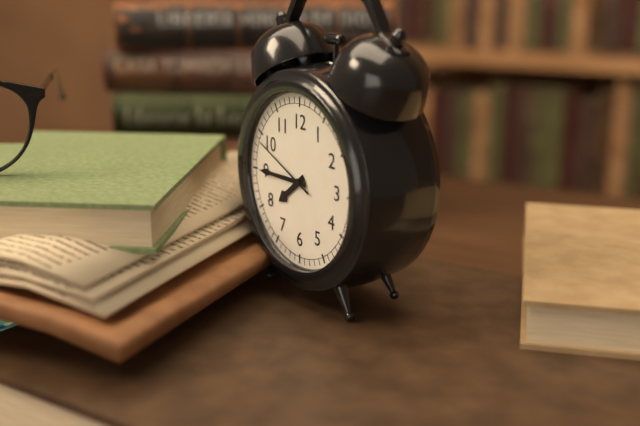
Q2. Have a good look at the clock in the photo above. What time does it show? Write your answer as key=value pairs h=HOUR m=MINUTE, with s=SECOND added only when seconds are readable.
h=7 m=45 s=49
